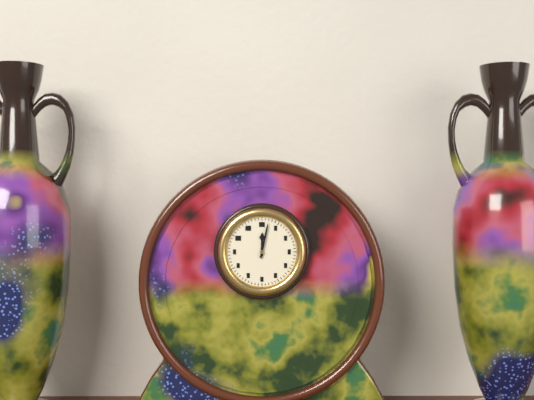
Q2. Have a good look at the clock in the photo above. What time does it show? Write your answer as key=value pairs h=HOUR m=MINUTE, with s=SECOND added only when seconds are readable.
h=12 m=2
